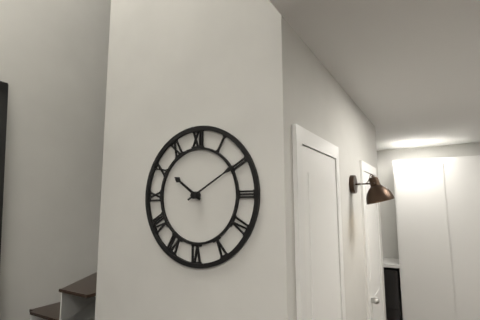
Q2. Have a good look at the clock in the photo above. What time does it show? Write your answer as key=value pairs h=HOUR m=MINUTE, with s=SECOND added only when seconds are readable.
h=10 m=10
